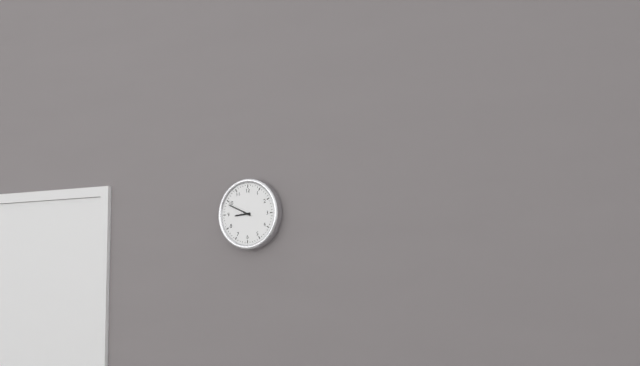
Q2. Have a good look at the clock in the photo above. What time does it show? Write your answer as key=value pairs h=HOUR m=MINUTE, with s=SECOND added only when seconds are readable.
h=8 m=49
